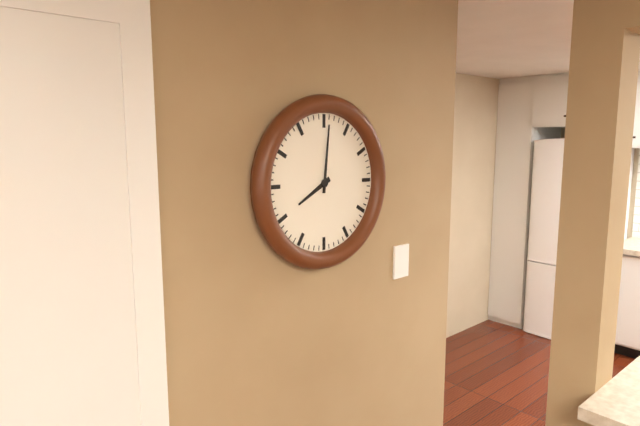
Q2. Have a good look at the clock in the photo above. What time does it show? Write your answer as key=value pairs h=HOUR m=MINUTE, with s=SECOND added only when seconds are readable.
h=8 m=1
